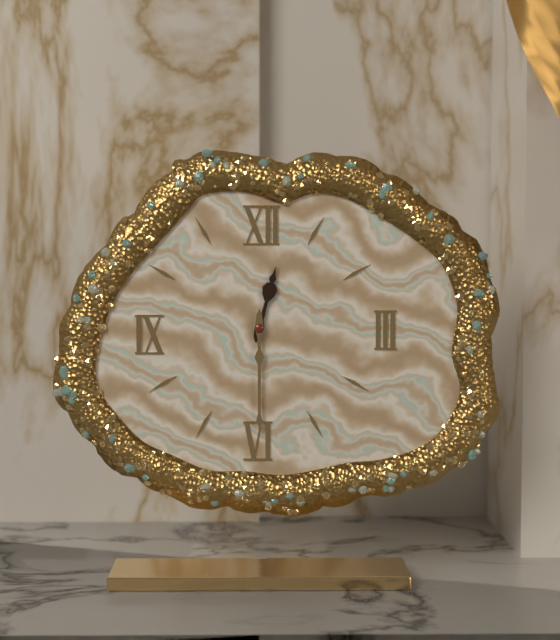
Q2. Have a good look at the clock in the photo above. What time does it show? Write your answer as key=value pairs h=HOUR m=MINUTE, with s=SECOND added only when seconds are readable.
h=12 m=30
